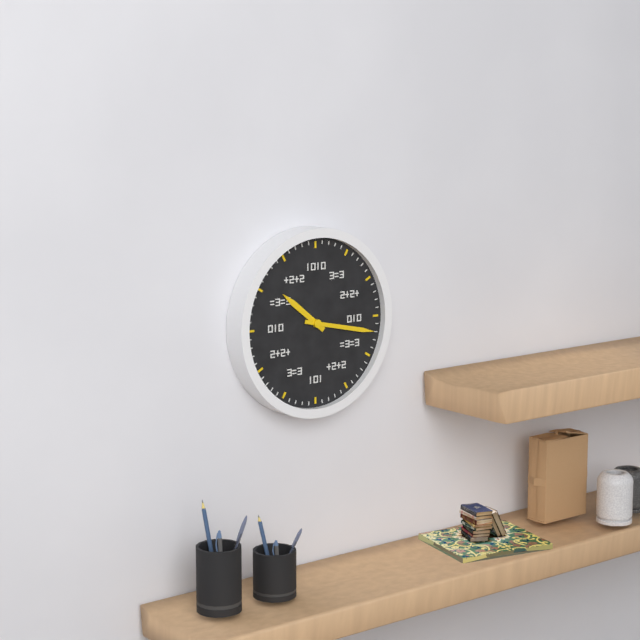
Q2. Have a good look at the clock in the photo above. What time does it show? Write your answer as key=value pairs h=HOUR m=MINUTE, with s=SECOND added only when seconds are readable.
h=10 m=17
